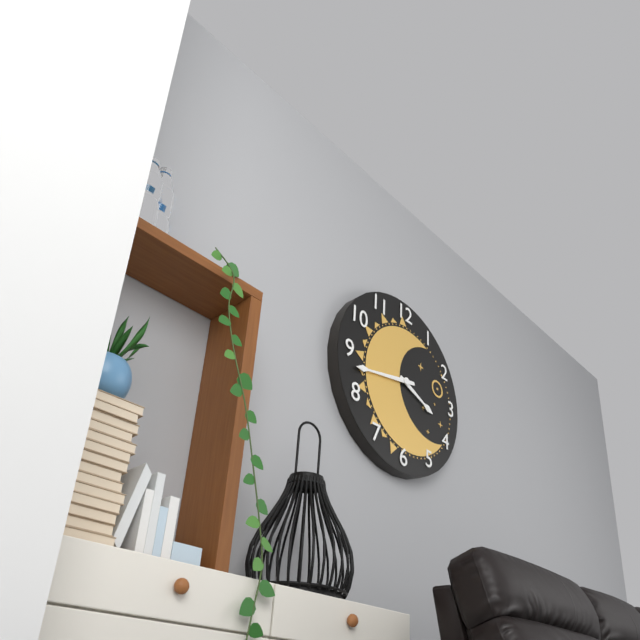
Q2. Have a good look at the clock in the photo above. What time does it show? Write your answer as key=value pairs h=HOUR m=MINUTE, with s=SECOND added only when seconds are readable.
h=3 m=43
